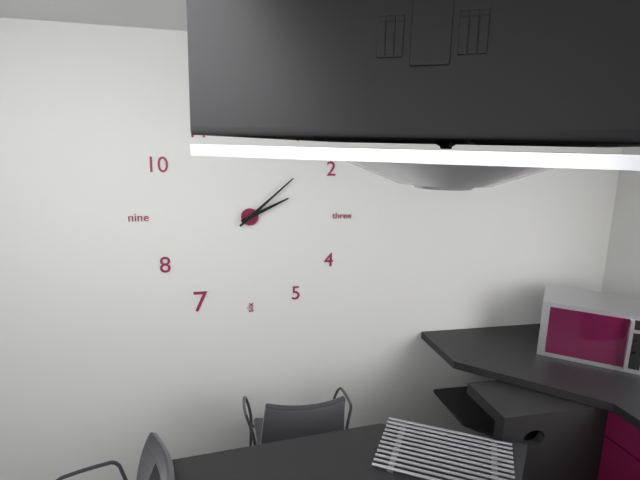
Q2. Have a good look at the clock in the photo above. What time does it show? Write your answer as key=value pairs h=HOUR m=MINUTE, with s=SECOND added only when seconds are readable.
h=2 m=8
